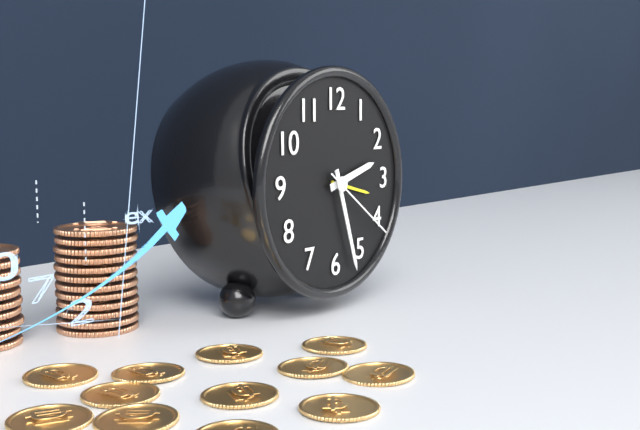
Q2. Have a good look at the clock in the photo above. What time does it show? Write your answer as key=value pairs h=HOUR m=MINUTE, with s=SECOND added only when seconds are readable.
h=2 m=27 s=21
